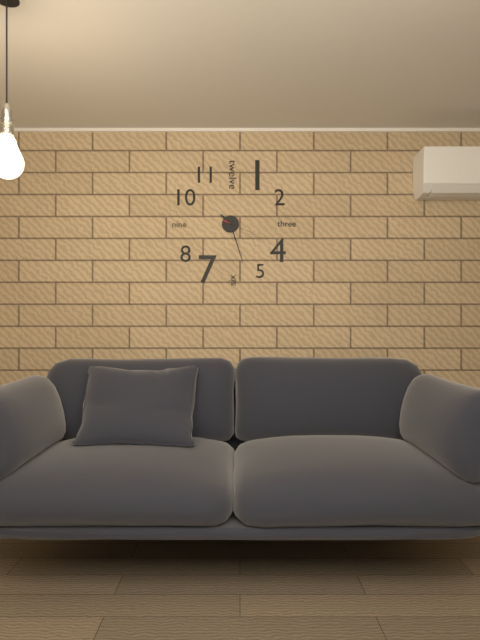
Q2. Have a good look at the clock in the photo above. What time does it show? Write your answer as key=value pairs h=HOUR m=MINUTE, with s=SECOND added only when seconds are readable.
h=10 m=27
